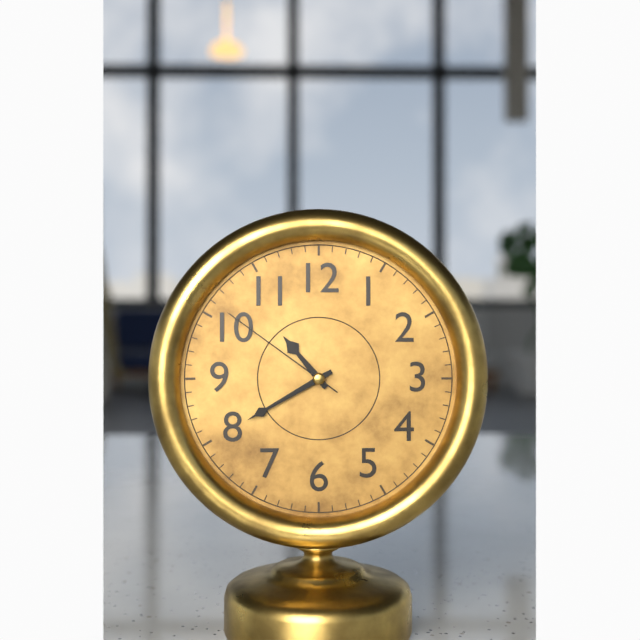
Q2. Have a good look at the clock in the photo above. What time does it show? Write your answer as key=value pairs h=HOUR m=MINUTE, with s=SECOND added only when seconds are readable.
h=10 m=40 s=51
